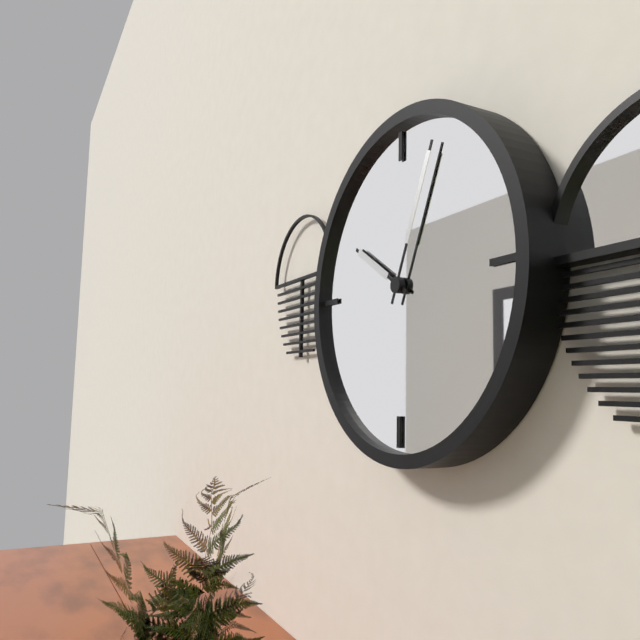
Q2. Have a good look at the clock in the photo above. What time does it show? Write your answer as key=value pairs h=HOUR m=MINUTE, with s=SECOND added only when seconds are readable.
h=10 m=4
